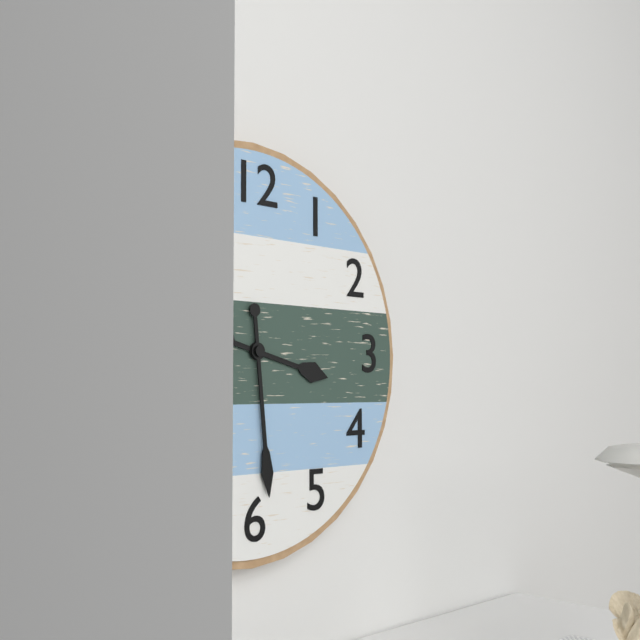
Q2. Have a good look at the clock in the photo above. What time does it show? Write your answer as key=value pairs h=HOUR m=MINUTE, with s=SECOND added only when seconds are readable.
h=3 m=29
